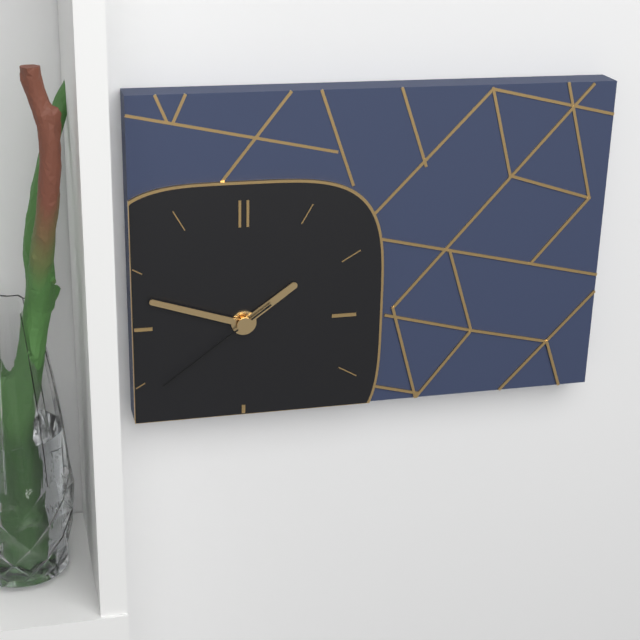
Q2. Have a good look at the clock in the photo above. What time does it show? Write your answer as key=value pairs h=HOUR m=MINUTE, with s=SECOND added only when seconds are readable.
h=1 m=48 s=39
